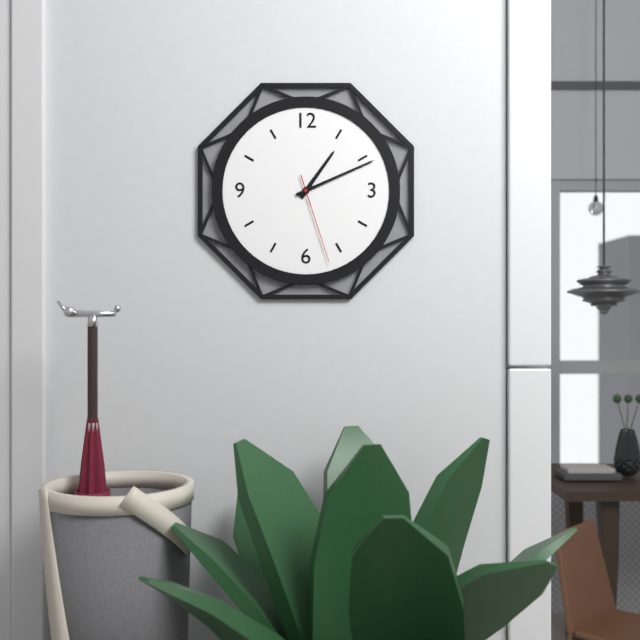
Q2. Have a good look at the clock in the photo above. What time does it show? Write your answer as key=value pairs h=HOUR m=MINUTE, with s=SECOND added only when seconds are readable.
h=1 m=11 s=27
